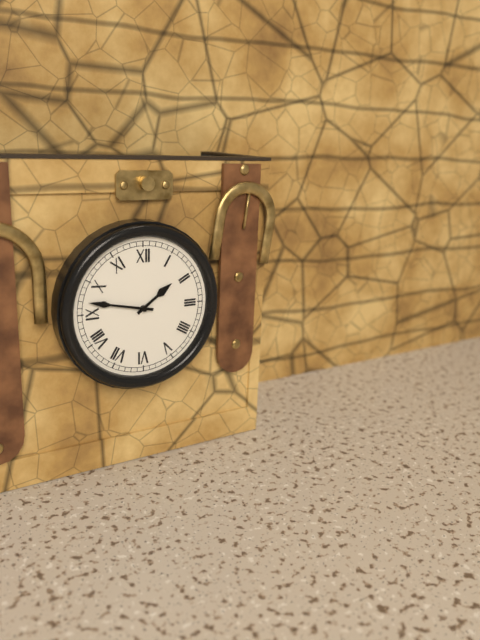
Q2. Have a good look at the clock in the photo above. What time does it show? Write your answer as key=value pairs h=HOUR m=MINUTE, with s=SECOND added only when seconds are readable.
h=1 m=47
